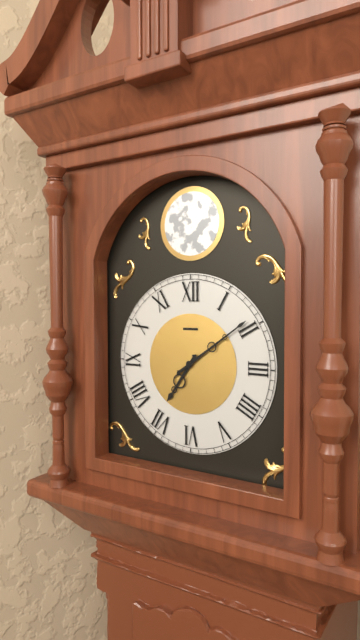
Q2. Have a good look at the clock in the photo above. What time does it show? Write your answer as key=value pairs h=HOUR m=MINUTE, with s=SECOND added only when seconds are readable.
h=7 m=9
